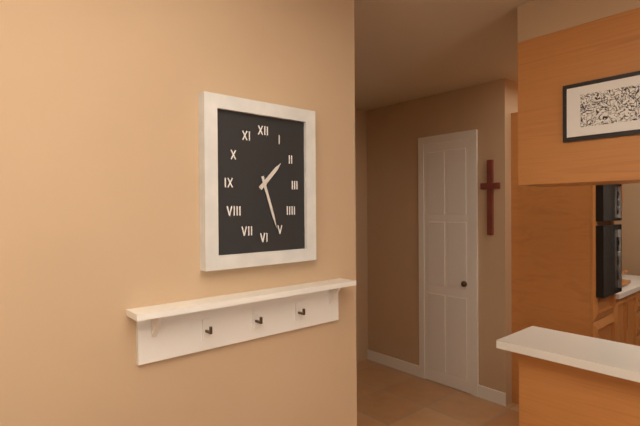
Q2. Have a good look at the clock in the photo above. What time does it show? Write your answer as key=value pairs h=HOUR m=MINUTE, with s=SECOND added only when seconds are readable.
h=1 m=27
